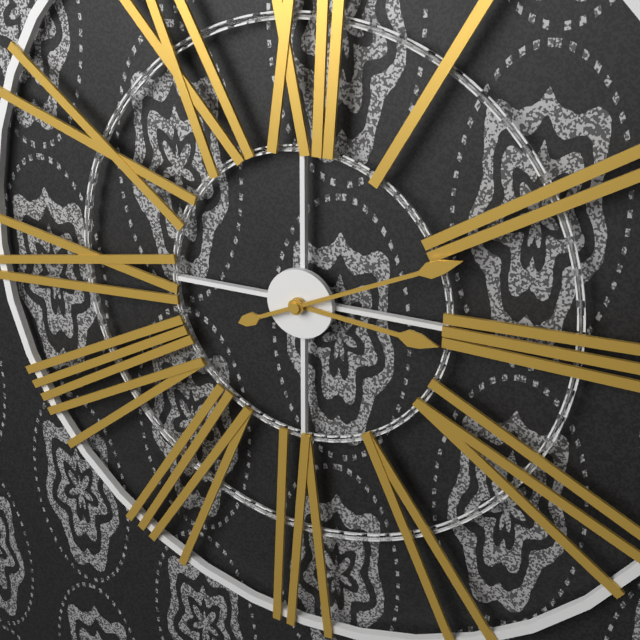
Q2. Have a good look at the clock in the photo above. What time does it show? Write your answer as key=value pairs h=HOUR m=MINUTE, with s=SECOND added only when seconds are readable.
h=3 m=11
